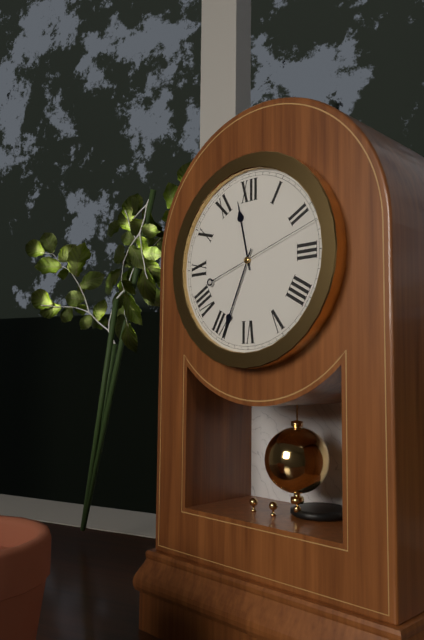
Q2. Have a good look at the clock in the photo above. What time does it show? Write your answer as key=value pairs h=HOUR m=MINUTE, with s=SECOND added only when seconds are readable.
h=11 m=34 s=12
